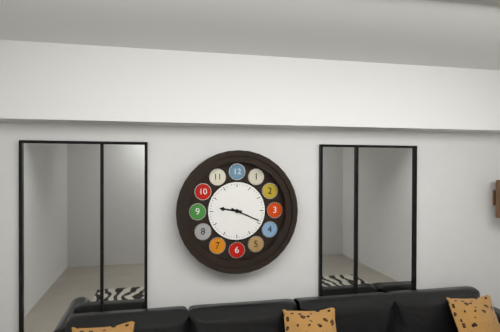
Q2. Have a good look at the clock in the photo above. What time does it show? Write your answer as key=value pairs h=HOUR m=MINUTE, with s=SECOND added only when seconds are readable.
h=9 m=19
